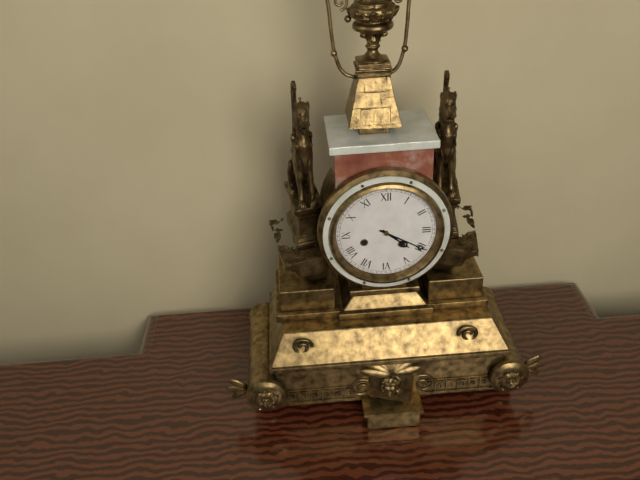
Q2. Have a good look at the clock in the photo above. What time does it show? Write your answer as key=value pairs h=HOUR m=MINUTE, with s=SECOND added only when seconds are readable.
h=4 m=20
